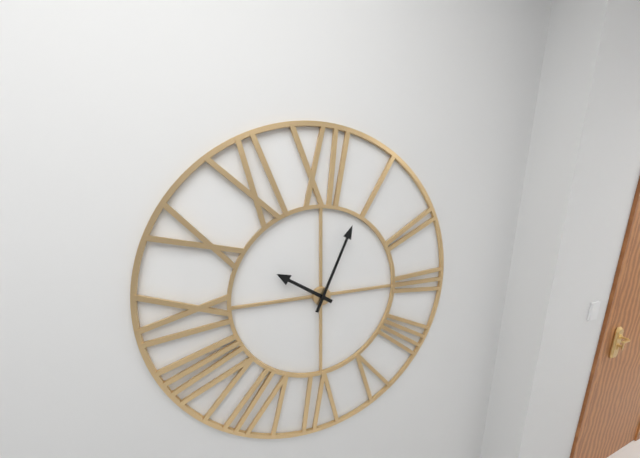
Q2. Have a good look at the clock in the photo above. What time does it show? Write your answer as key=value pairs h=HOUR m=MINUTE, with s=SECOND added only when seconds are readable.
h=10 m=4
